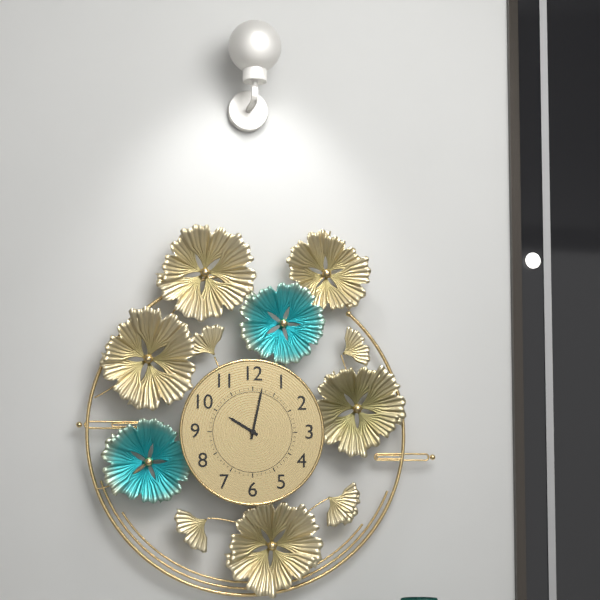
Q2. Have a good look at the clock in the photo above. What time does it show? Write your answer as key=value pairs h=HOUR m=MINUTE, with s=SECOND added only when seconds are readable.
h=10 m=2
